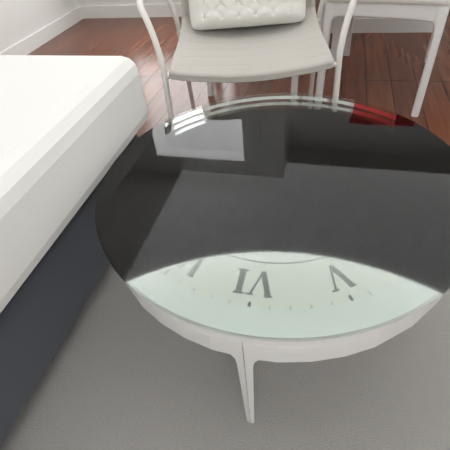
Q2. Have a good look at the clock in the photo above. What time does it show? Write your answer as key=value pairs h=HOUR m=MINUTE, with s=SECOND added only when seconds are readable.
h=9 m=56
